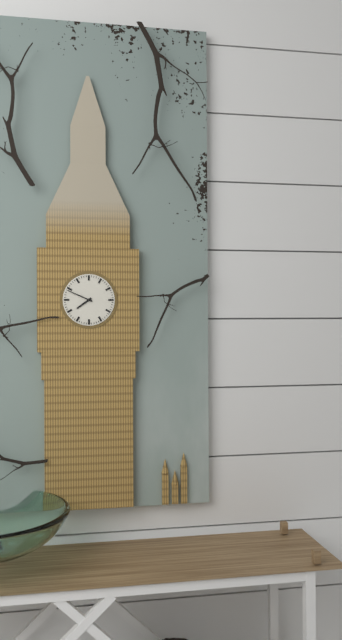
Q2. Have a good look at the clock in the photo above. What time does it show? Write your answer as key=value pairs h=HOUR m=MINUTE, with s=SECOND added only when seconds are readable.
h=7 m=49
